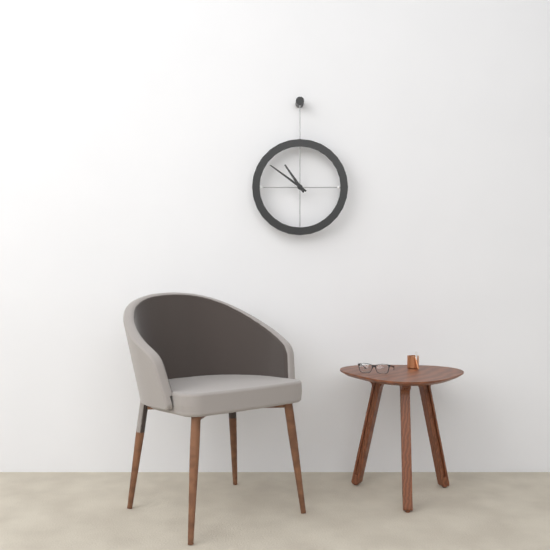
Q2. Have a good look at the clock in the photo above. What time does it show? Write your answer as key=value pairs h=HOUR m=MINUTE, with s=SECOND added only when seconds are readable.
h=10 m=51
